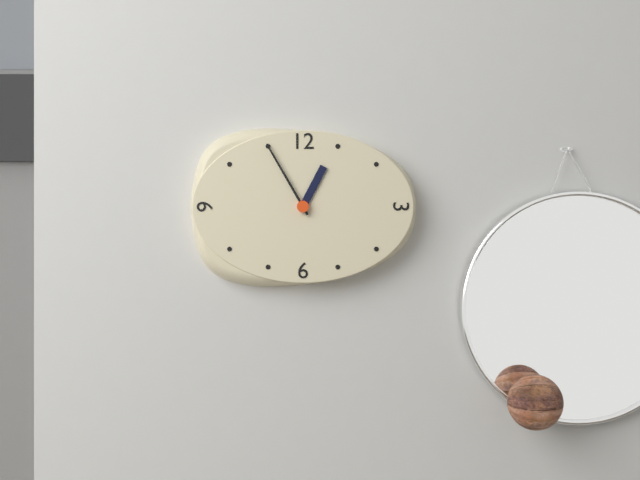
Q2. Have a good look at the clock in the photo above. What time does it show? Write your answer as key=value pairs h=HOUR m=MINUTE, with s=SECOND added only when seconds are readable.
h=12 m=55
